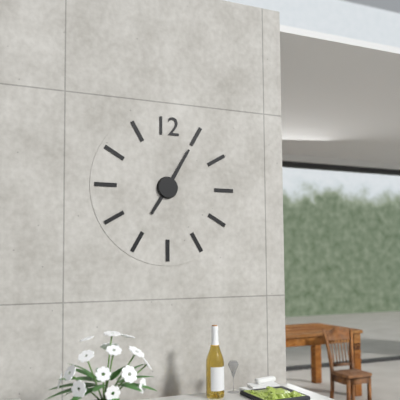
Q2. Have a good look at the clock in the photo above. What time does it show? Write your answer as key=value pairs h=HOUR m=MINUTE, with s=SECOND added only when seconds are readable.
h=7 m=5
